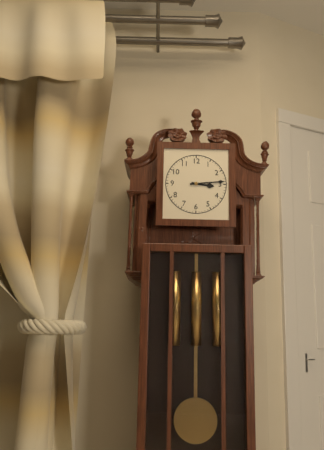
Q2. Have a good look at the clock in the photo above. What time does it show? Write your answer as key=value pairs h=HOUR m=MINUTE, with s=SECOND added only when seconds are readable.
h=3 m=14
